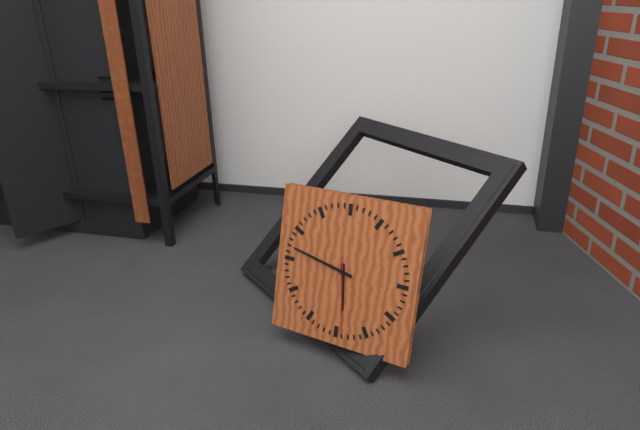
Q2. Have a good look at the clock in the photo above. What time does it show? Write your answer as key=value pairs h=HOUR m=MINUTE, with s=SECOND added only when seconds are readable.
h=5 m=47 s=29
